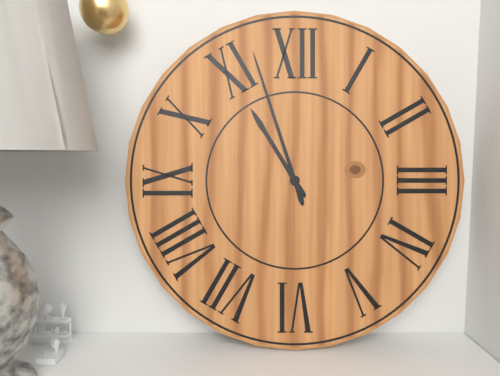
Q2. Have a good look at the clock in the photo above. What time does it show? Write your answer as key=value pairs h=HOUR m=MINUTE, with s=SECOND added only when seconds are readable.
h=10 m=57
